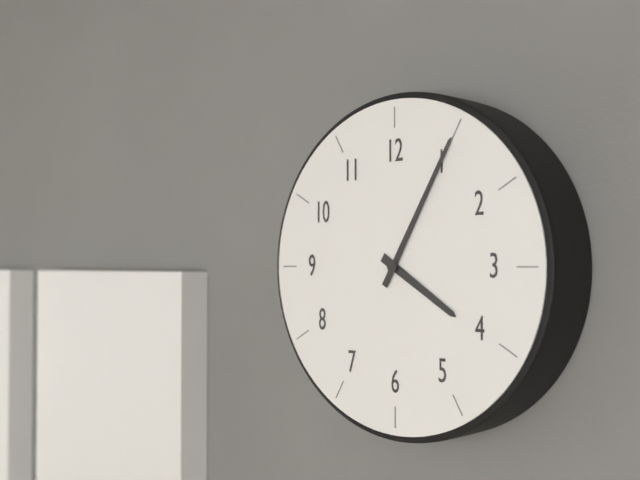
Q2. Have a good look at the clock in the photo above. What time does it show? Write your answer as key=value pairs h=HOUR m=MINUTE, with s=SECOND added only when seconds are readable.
h=4 m=5
